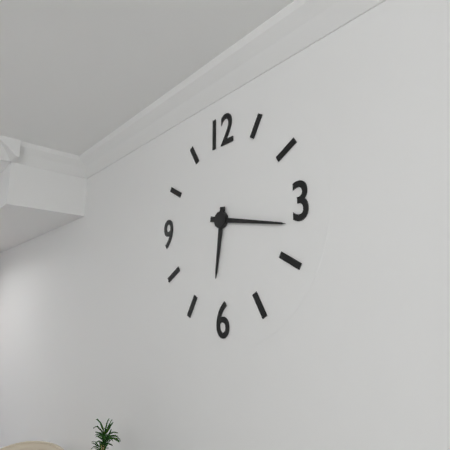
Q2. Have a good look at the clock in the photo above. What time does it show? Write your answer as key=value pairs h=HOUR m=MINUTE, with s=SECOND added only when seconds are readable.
h=6 m=17
